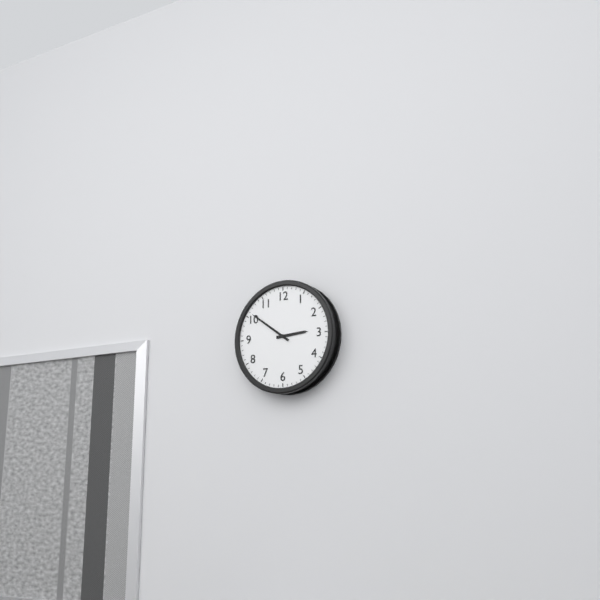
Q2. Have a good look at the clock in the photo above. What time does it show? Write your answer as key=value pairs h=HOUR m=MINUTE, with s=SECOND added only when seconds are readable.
h=2 m=51
